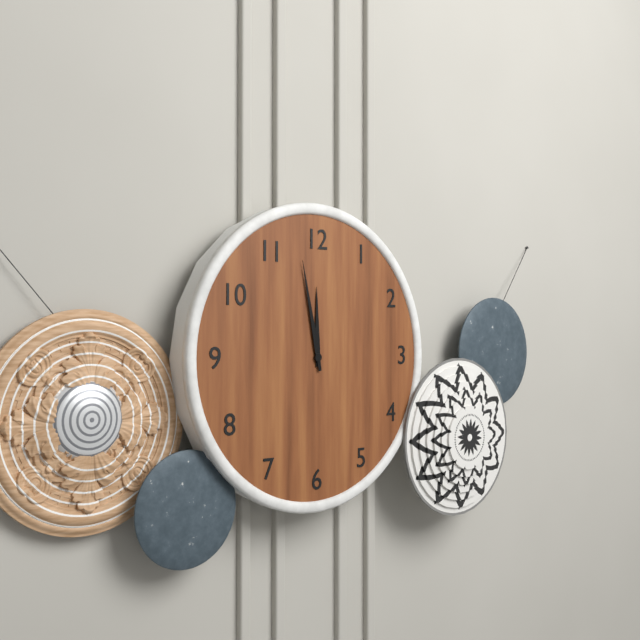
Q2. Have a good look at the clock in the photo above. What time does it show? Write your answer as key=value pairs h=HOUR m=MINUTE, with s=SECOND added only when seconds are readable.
h=11 m=58
